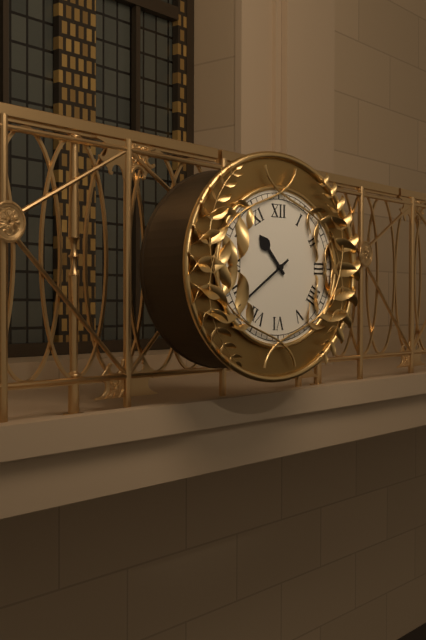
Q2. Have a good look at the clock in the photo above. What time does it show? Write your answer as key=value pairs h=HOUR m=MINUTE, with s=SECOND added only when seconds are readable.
h=10 m=39
